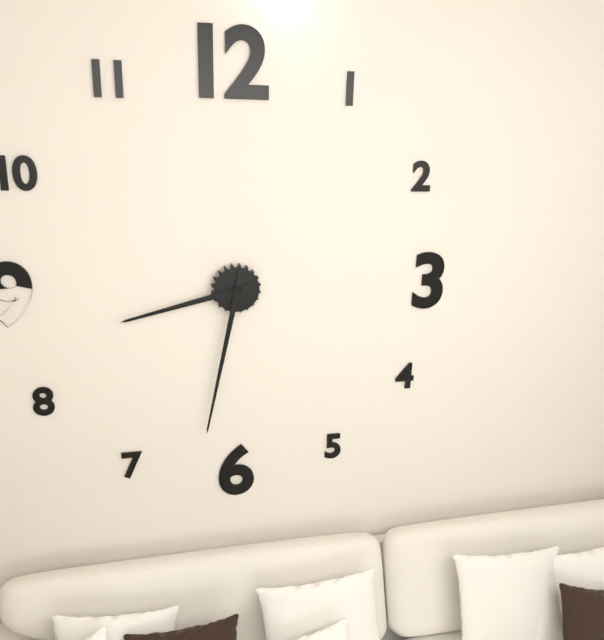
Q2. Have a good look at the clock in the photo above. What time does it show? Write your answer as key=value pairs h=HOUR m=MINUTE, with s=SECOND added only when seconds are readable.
h=8 m=32
